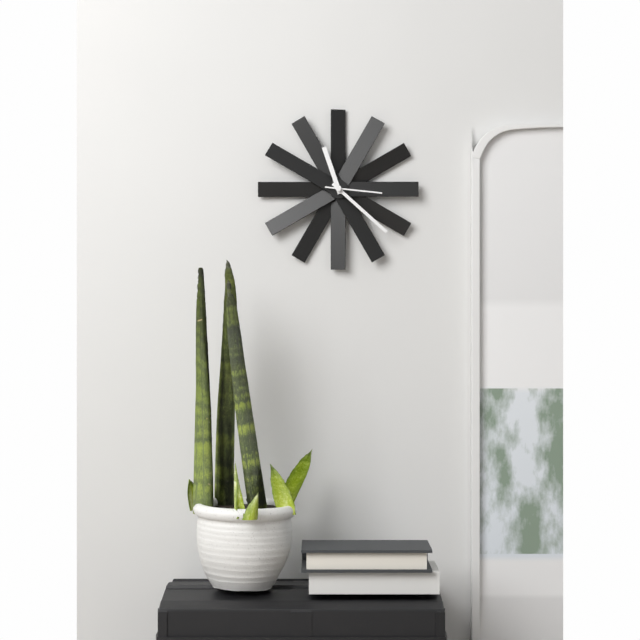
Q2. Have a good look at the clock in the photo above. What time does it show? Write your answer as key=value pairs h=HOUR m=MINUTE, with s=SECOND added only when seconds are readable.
h=11 m=22 s=16
